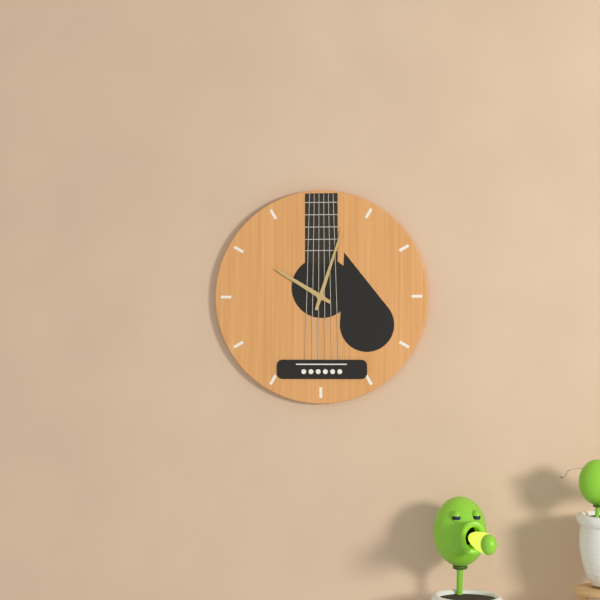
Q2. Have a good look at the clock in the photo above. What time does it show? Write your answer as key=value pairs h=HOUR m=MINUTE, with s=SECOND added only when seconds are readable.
h=10 m=3
